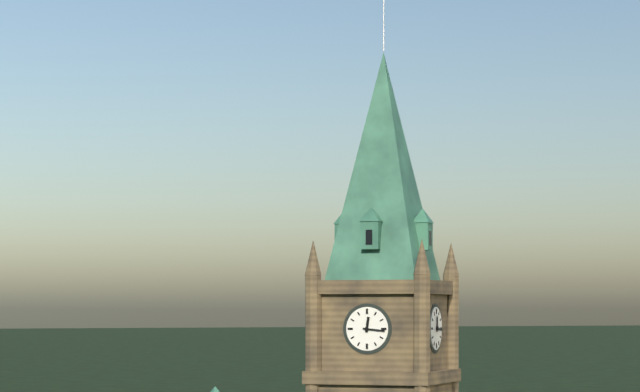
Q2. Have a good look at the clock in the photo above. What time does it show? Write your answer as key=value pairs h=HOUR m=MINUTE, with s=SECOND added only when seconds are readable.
h=12 m=16
